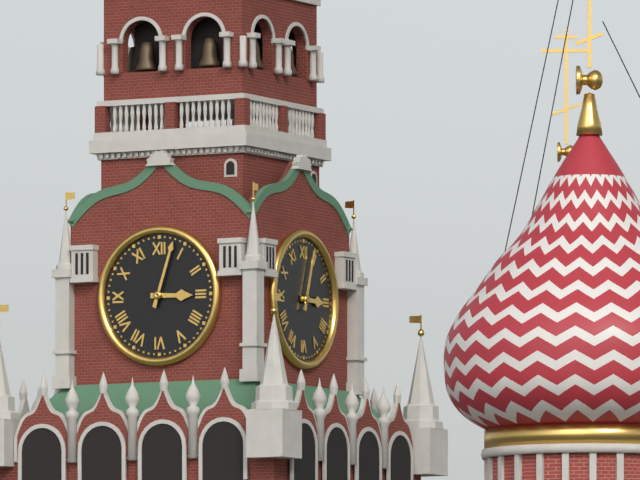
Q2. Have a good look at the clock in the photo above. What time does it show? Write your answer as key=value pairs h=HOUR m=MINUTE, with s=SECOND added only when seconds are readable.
h=3 m=3
